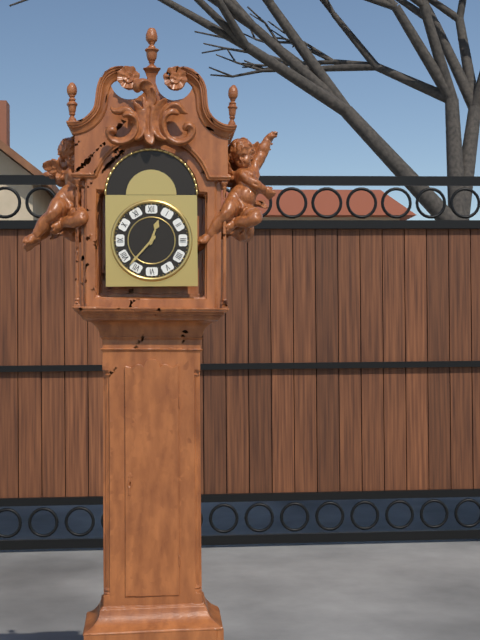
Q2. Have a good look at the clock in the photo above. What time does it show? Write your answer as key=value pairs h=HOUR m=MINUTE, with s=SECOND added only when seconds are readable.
h=12 m=37
